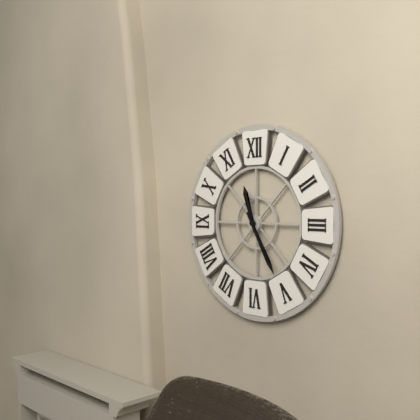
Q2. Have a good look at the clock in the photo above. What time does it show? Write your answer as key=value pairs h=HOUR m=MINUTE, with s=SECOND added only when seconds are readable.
h=11 m=25
